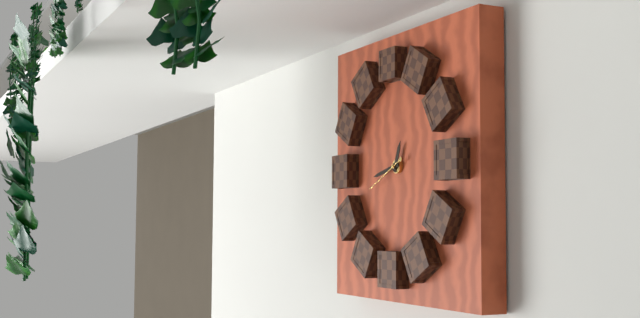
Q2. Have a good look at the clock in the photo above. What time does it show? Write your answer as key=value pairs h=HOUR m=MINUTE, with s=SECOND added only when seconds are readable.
h=12 m=43
